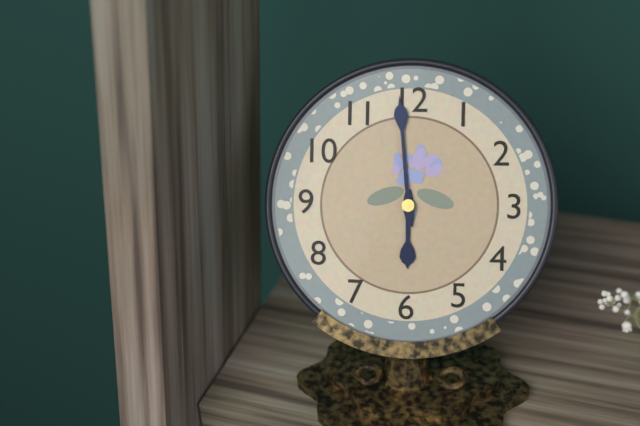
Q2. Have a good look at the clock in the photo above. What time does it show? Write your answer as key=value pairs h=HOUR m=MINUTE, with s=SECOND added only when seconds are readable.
h=5 m=59
